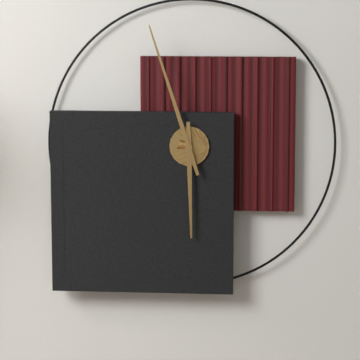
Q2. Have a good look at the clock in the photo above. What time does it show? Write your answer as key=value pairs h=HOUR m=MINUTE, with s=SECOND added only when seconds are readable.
h=5 m=57
